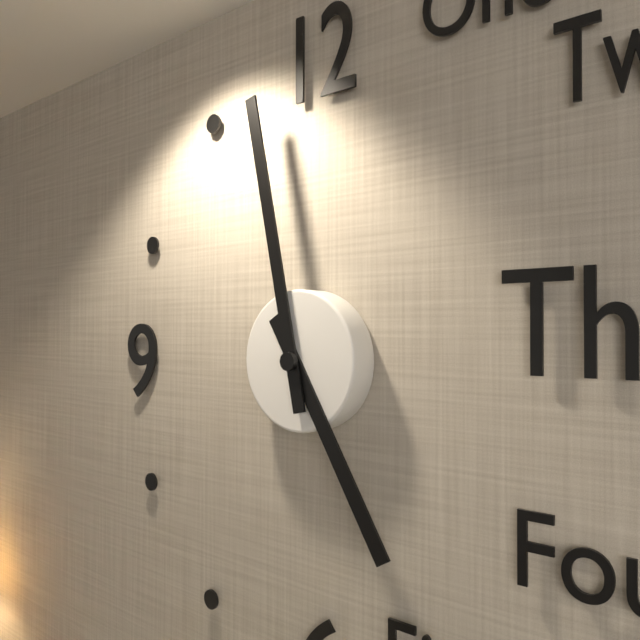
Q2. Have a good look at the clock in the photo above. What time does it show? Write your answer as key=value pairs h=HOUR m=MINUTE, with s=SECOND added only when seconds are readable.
h=4 m=58
